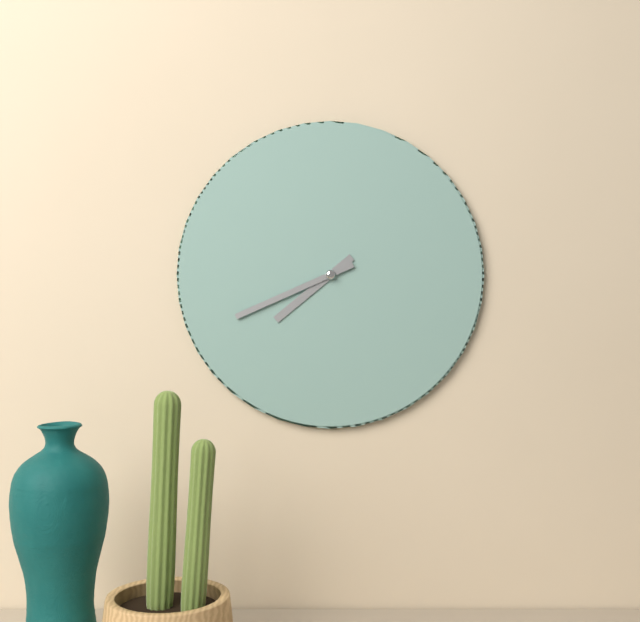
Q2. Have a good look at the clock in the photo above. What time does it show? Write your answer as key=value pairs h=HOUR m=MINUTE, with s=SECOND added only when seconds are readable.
h=7 m=41
